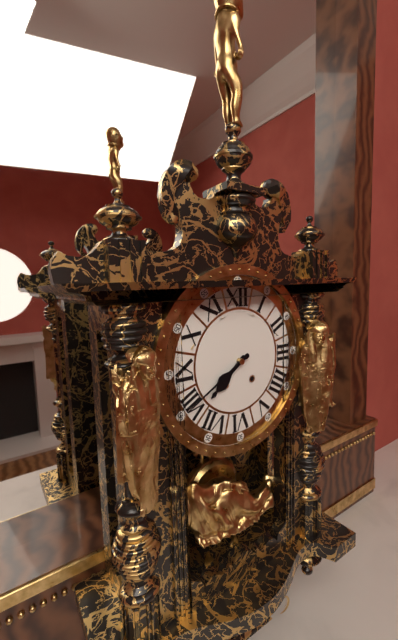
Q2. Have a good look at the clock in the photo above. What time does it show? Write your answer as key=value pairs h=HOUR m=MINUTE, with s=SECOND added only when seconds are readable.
h=7 m=40
